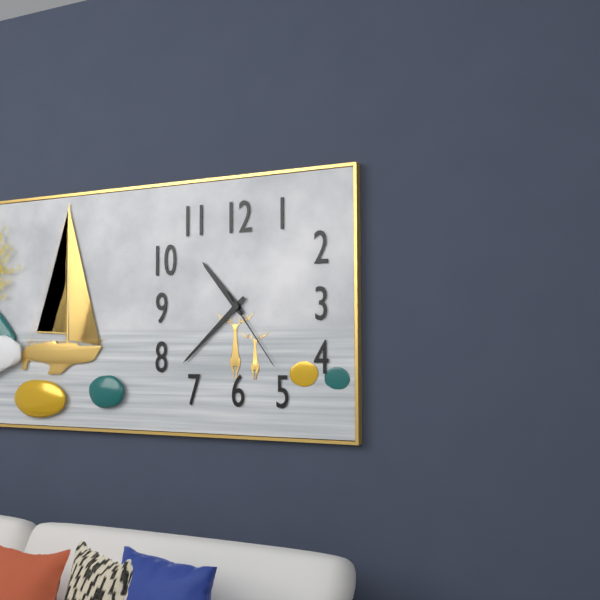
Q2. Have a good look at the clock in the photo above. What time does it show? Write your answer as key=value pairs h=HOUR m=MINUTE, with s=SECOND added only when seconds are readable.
h=10 m=38 s=24
